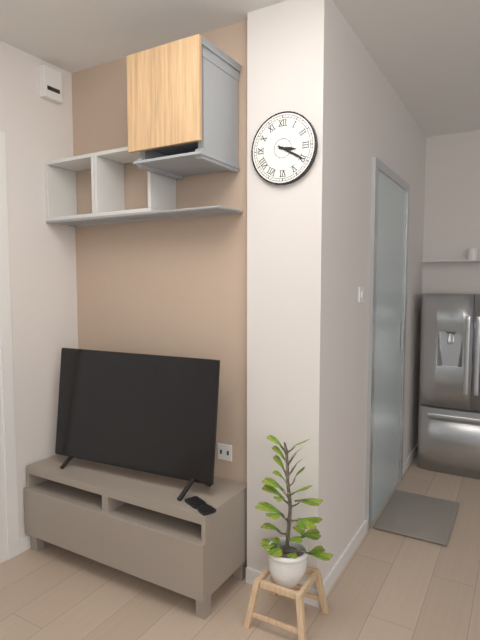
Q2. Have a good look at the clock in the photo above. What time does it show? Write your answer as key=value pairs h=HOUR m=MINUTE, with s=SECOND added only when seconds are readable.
h=3 m=20
